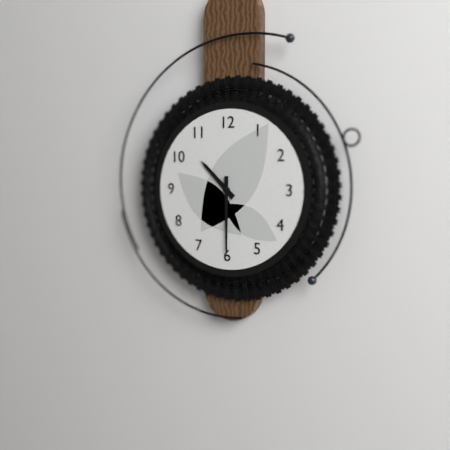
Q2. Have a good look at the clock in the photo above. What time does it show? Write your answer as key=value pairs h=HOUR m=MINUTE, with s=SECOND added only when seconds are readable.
h=10 m=30
